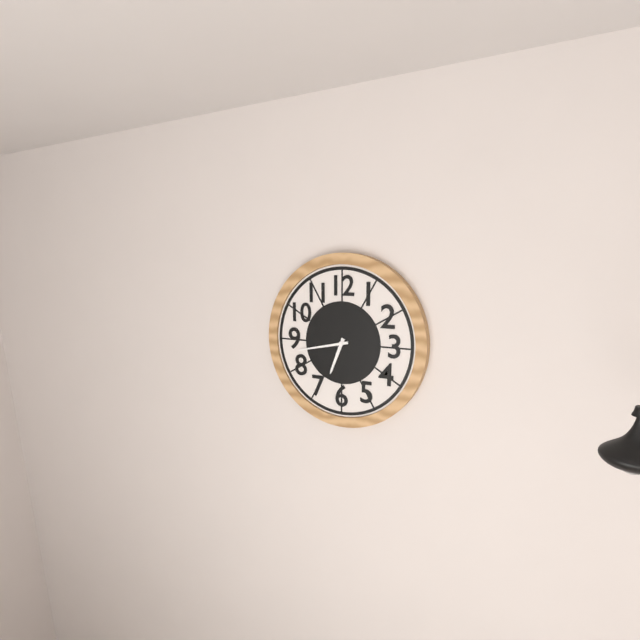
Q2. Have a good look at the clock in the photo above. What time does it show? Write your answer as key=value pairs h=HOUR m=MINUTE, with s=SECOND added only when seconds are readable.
h=6 m=43
